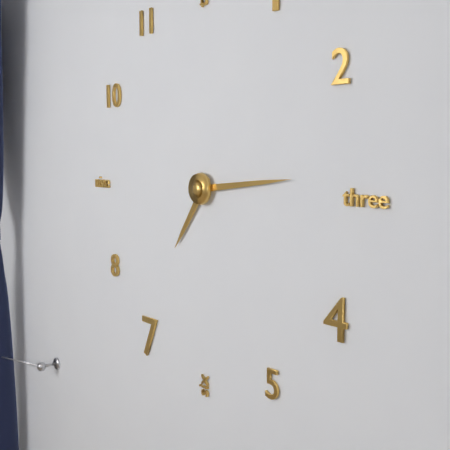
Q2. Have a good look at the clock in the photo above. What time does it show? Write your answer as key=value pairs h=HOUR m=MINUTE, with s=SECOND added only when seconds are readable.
h=7 m=14
